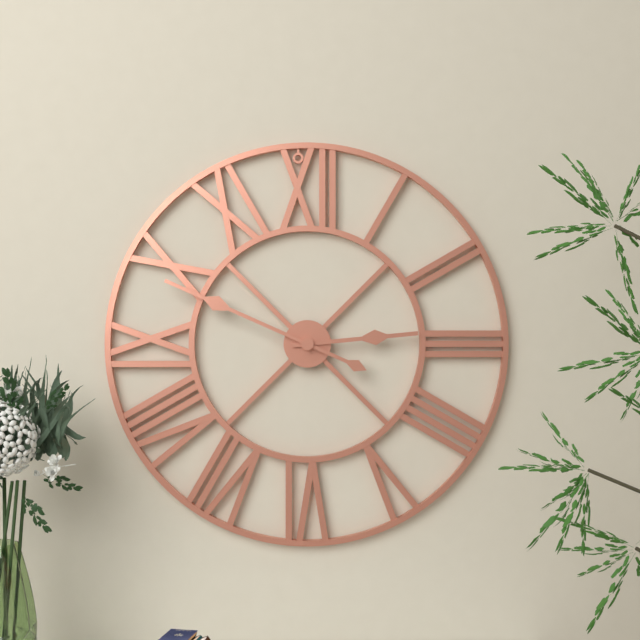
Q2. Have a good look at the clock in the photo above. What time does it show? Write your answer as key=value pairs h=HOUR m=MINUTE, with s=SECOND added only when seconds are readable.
h=2 m=49
